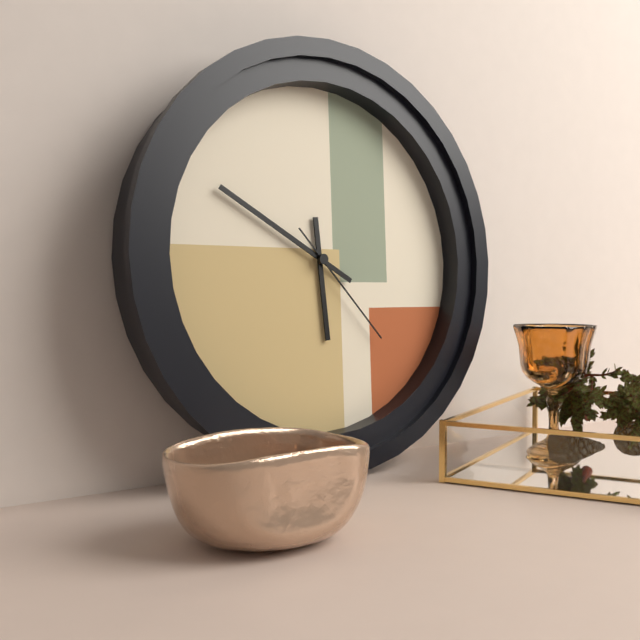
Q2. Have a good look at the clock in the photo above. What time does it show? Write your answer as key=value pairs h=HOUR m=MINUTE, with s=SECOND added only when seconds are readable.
h=5 m=50 s=23
